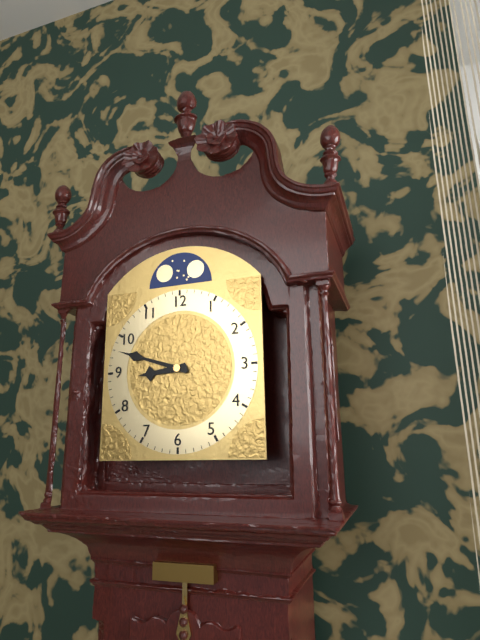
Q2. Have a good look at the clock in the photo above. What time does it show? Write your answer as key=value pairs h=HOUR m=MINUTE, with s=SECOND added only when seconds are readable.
h=8 m=48
